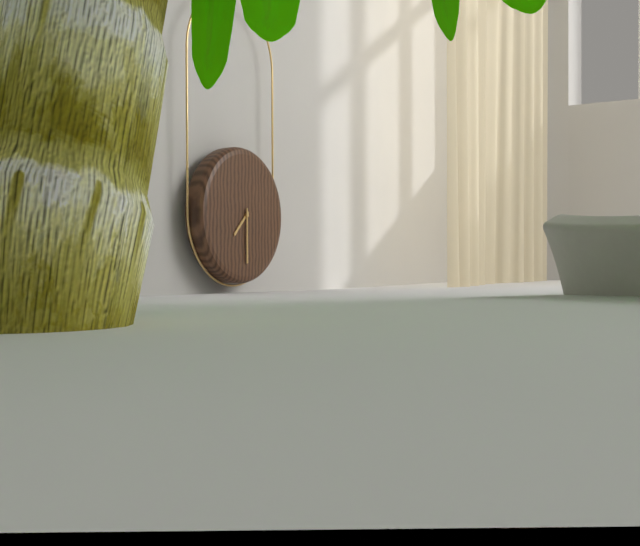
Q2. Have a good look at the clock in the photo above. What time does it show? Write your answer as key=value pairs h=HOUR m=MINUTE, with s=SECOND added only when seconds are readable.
h=7 m=30
